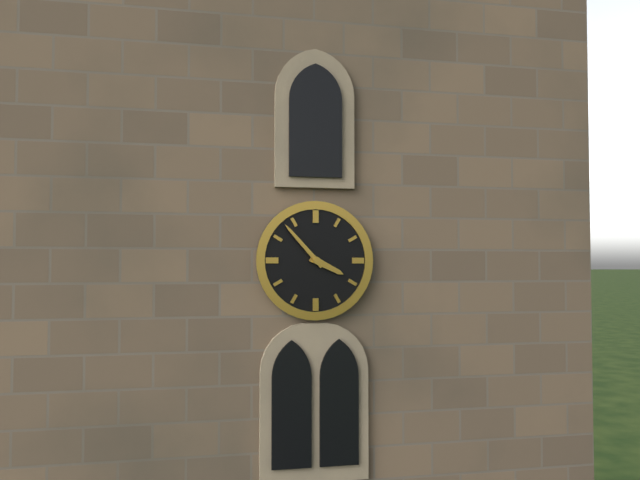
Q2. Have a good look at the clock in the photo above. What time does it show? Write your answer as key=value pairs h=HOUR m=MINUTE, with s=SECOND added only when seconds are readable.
h=3 m=53
